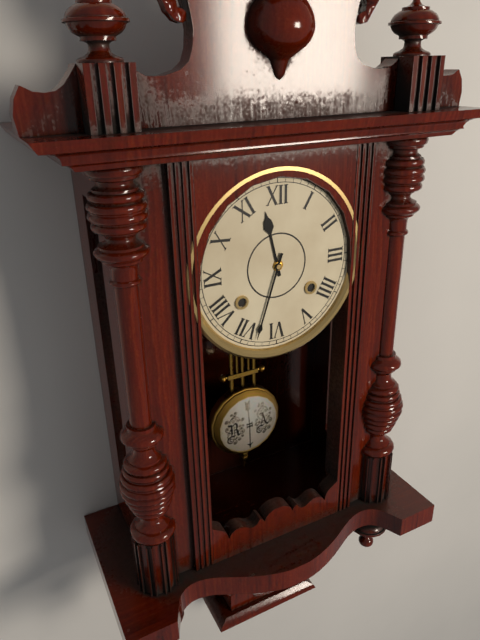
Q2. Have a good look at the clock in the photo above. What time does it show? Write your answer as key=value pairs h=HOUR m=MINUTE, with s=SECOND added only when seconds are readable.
h=11 m=33
